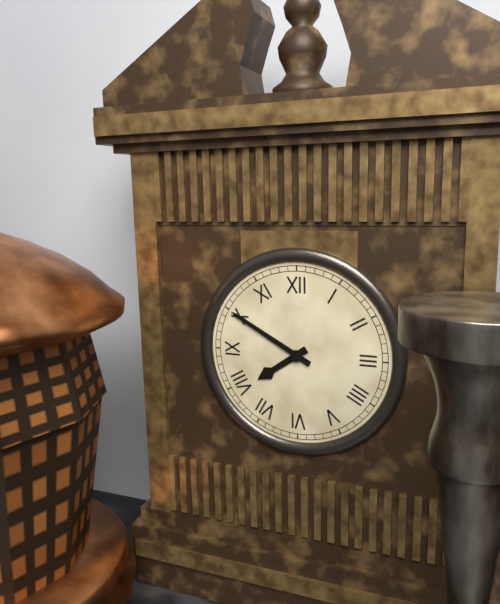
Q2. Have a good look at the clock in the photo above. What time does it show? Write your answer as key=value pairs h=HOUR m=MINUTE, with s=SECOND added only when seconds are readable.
h=7 m=50
